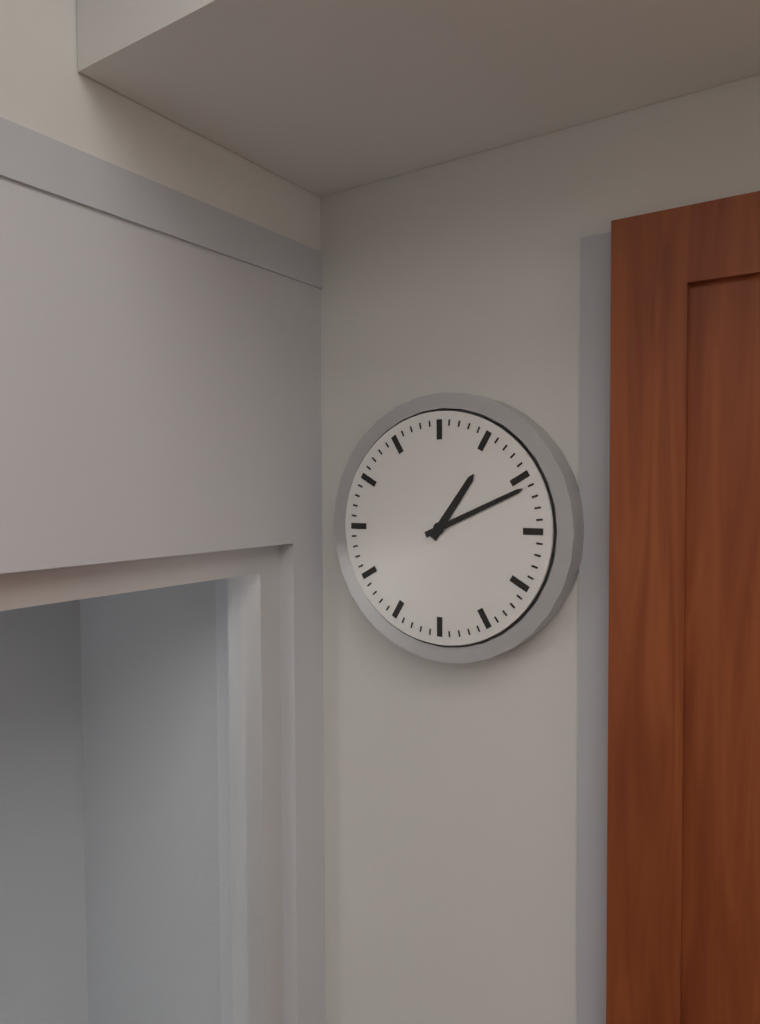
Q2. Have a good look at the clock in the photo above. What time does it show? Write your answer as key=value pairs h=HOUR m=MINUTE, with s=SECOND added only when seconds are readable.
h=1 m=11
